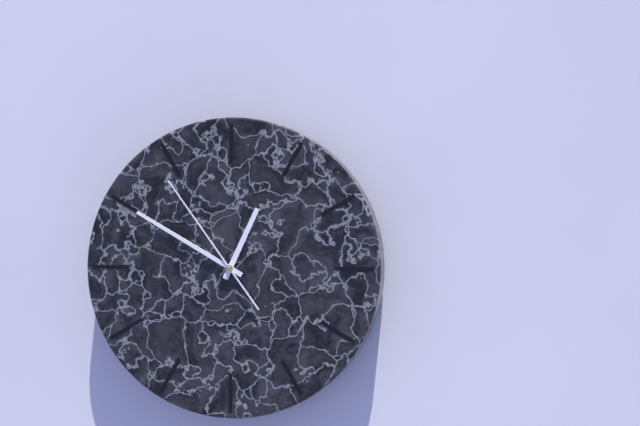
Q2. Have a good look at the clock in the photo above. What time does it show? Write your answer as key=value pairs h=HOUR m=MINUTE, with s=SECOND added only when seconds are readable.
h=12 m=50 s=54
